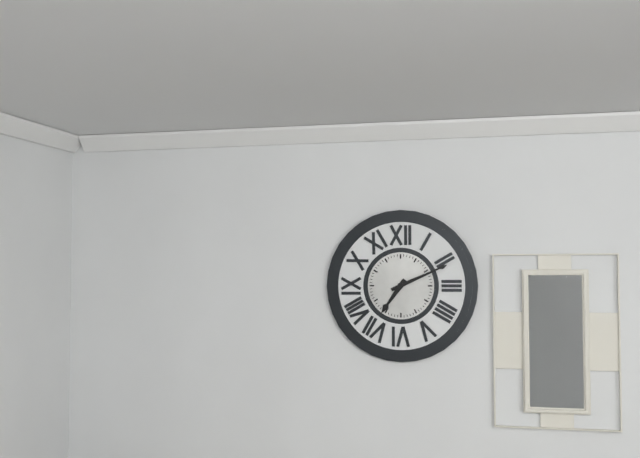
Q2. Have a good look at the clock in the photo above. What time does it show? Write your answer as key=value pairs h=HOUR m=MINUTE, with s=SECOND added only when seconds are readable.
h=7 m=11
